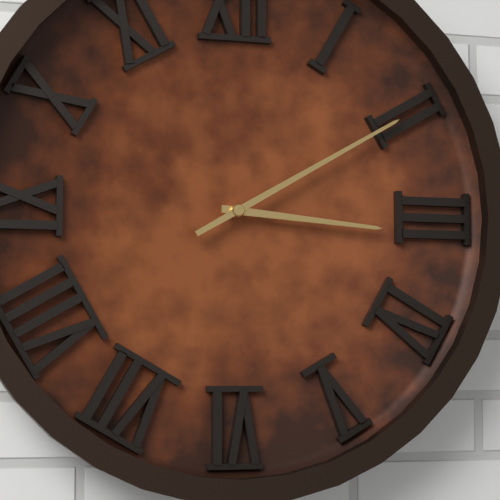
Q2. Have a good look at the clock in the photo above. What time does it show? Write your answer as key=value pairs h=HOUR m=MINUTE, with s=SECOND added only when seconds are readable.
h=3 m=10
